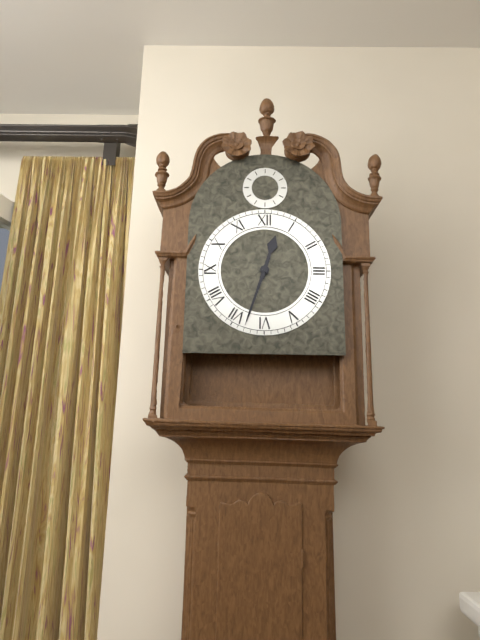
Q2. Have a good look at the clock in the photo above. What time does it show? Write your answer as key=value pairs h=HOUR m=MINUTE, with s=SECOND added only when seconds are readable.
h=12 m=33
